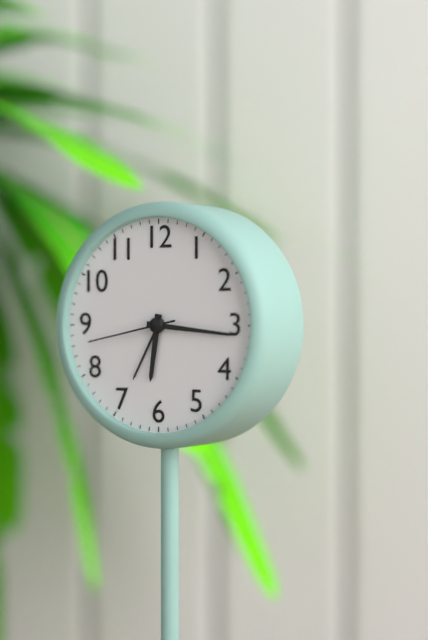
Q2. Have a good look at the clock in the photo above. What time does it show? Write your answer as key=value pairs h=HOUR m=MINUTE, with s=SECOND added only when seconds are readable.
h=6 m=16 s=43
